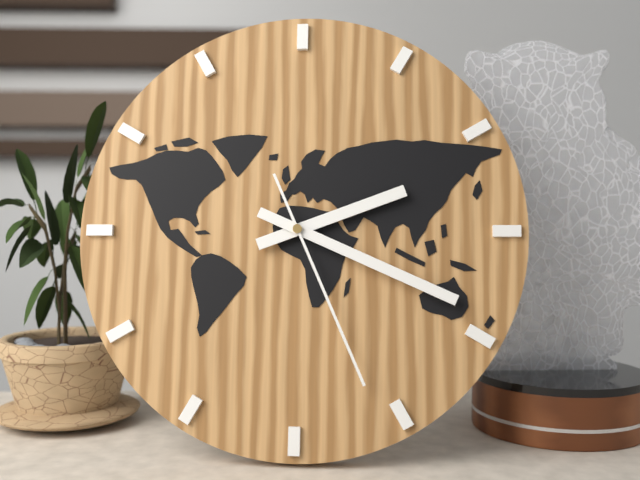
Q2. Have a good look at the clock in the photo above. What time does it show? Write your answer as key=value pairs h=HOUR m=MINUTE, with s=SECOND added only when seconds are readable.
h=2 m=19 s=26
